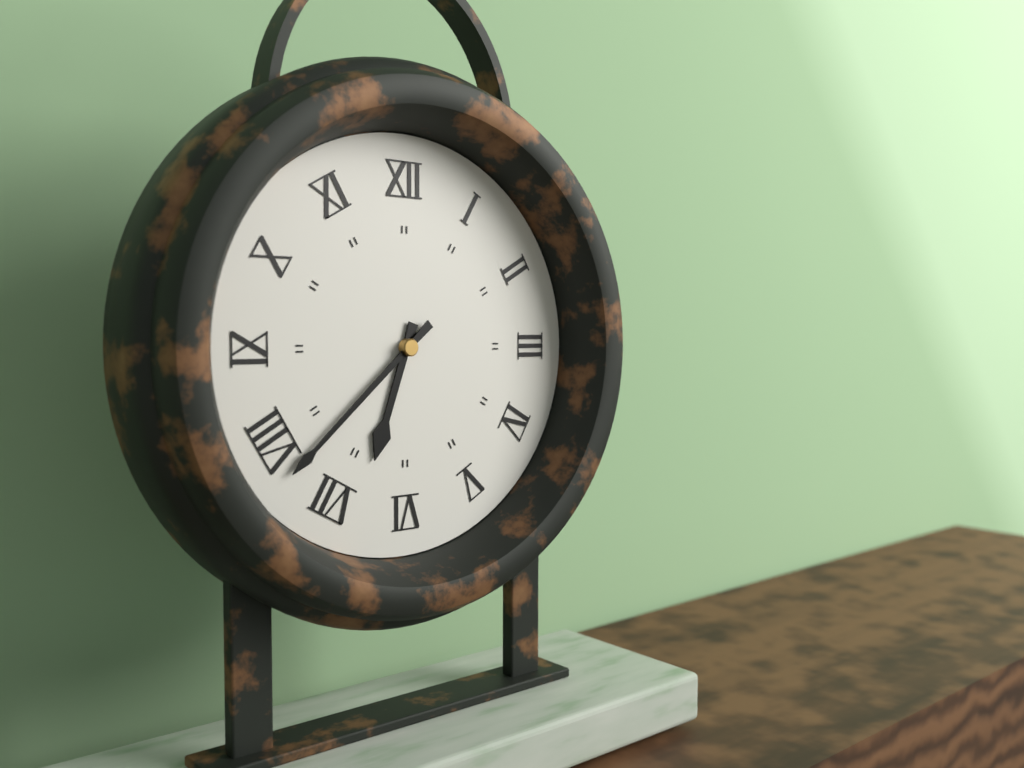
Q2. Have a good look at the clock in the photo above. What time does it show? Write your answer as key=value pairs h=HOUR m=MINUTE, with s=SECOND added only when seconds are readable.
h=6 m=38
